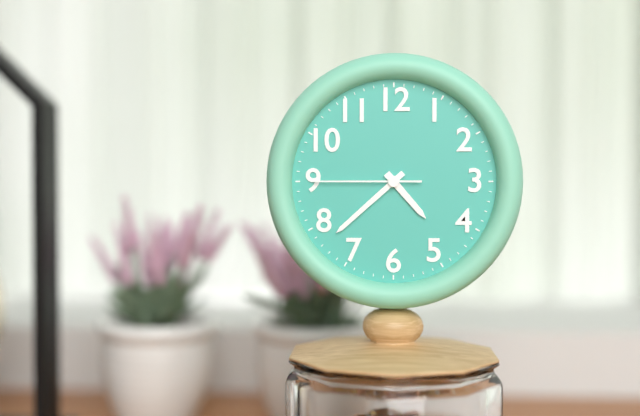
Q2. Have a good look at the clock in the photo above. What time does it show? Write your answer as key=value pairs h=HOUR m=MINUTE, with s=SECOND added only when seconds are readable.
h=4 m=38 s=45
